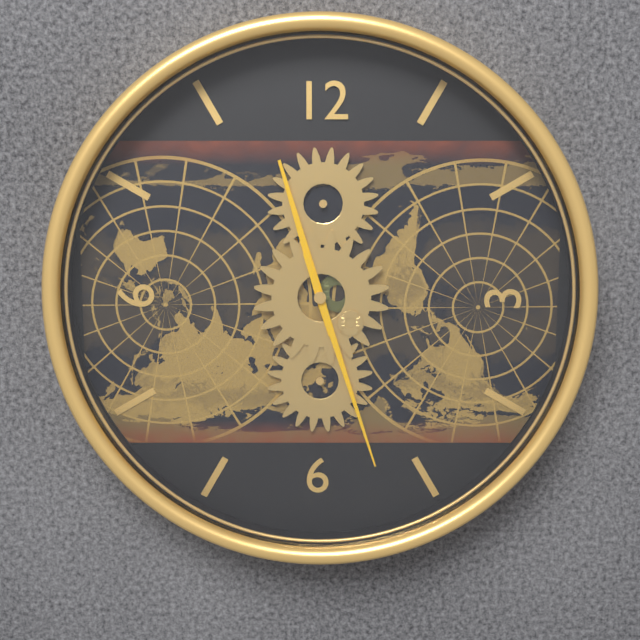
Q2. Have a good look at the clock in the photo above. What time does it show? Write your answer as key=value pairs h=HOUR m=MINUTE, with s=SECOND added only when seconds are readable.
h=11 m=27
